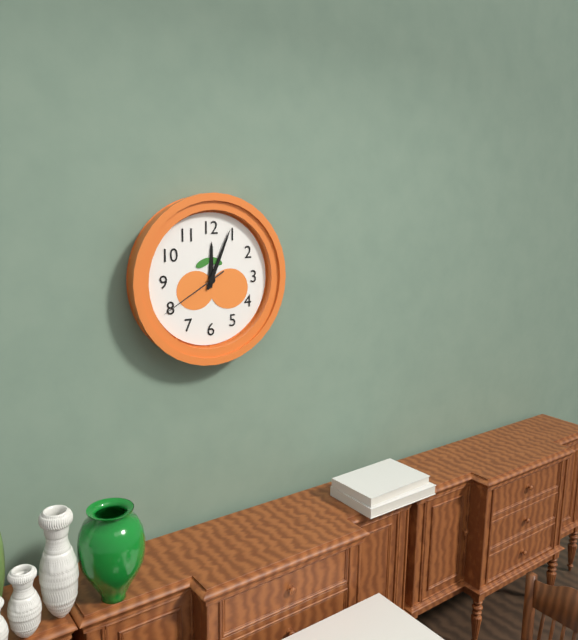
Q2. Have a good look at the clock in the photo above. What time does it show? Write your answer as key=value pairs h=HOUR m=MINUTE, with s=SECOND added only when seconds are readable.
h=12 m=4 s=40
